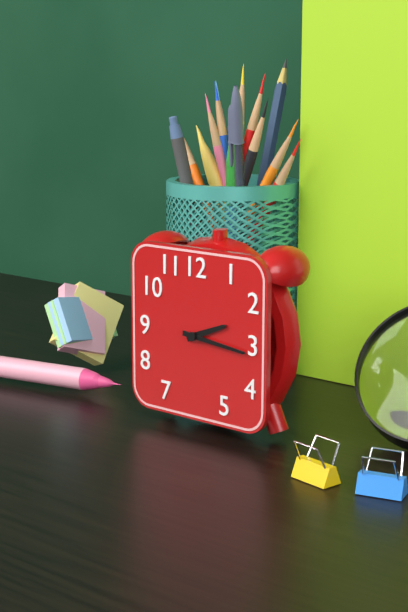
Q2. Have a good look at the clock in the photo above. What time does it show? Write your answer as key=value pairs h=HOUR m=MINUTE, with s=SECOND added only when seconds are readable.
h=2 m=16
